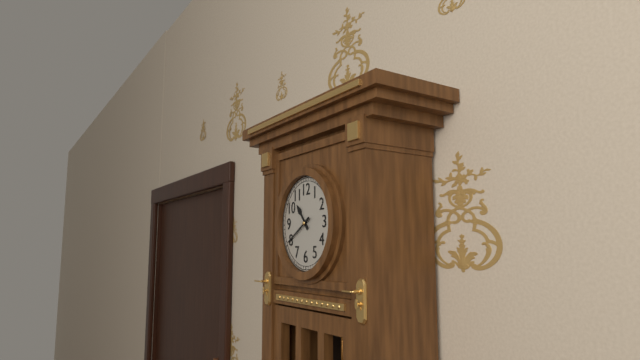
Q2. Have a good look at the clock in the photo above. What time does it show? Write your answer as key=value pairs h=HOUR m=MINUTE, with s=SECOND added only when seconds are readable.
h=10 m=40
